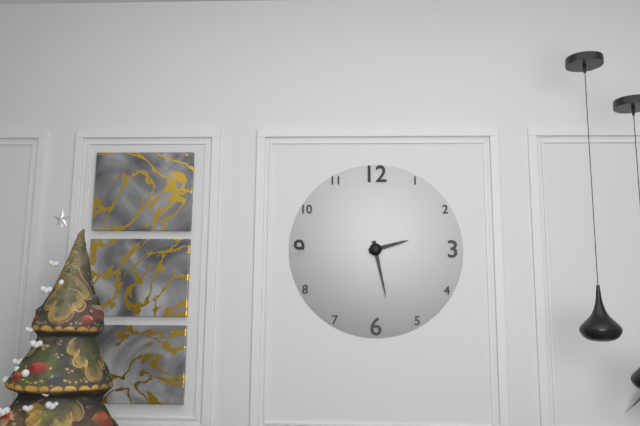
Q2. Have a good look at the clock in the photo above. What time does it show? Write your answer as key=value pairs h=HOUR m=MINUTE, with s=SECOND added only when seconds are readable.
h=2 m=28
